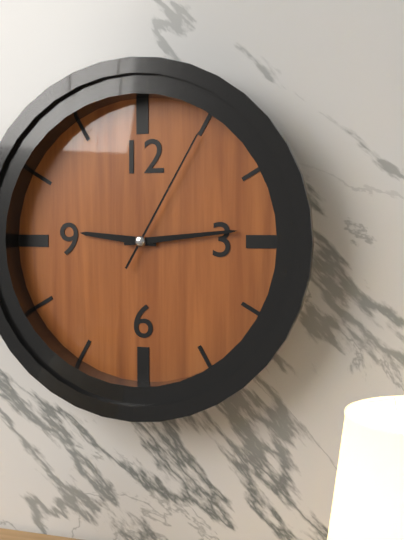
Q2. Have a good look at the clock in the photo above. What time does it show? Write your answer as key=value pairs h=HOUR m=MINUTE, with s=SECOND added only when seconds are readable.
h=9 m=14 s=5
